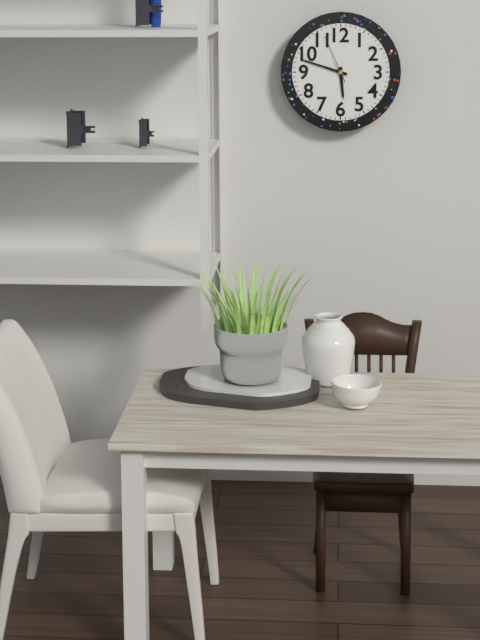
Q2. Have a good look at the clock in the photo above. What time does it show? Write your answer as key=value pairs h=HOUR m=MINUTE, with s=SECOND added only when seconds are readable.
h=5 m=48
